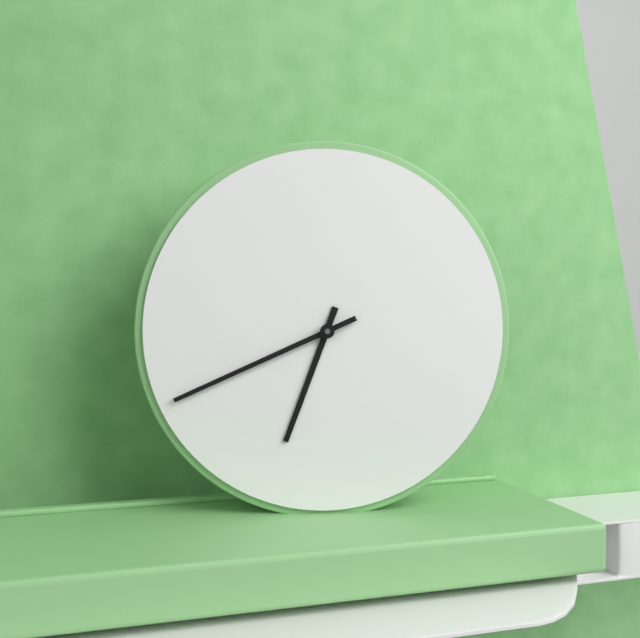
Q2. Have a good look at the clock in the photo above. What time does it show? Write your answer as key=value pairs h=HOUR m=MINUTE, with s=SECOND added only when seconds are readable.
h=6 m=41
